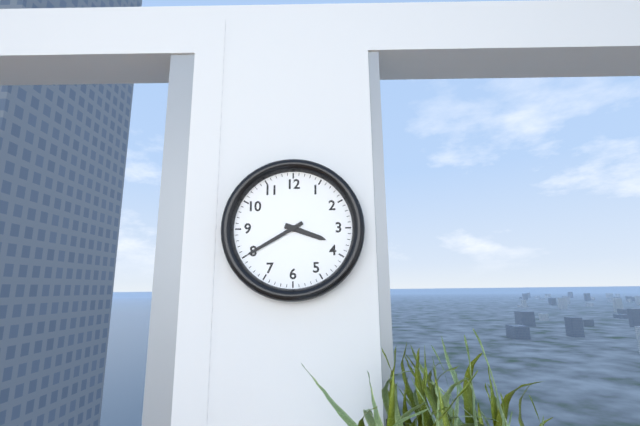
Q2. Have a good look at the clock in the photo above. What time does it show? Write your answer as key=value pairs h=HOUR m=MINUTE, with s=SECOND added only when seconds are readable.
h=3 m=40
